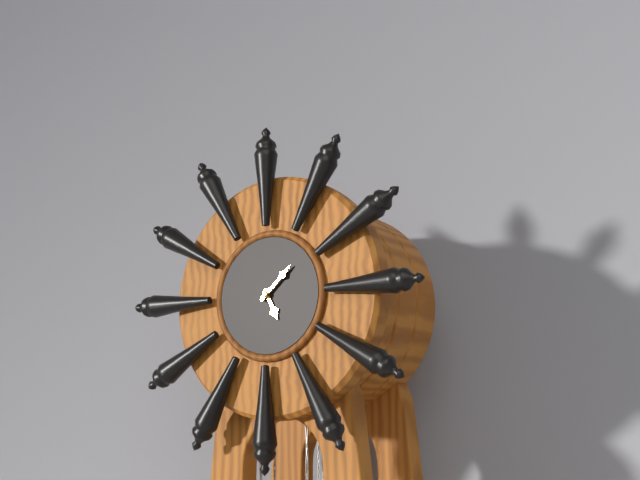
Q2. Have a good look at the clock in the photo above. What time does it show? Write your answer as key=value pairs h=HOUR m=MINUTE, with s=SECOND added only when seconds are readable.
h=5 m=8
